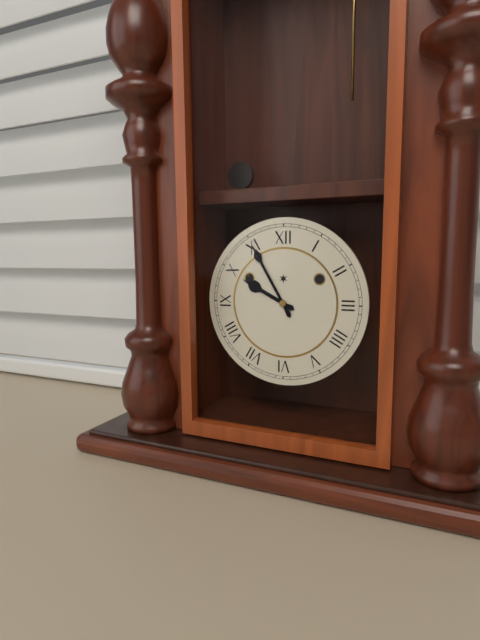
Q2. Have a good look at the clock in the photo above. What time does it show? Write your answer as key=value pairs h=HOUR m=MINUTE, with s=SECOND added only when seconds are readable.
h=9 m=55
